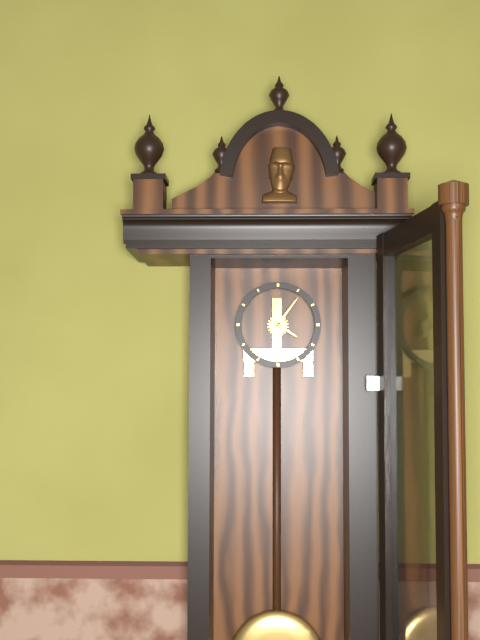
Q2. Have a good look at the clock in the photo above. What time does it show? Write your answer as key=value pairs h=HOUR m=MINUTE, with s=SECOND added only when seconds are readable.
h=4 m=6
